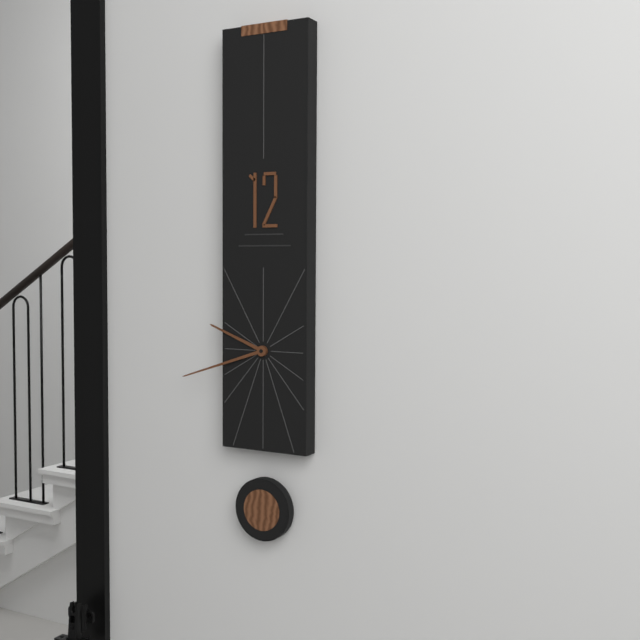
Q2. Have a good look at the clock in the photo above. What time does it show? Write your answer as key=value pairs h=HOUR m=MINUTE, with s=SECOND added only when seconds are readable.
h=9 m=42
